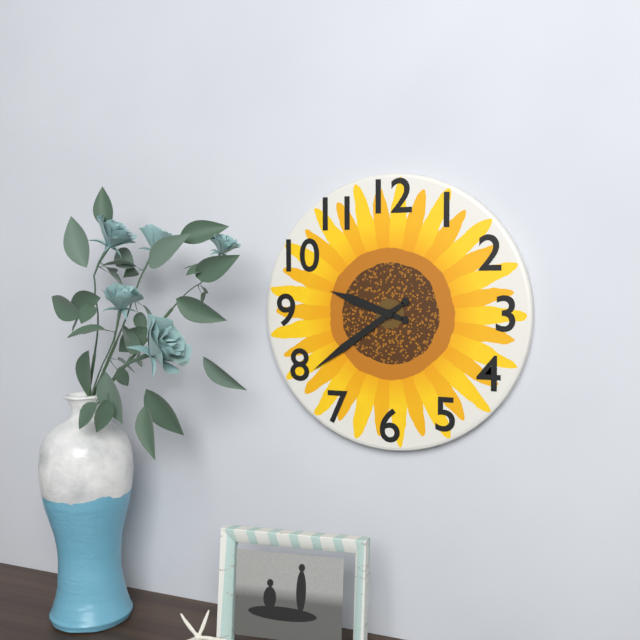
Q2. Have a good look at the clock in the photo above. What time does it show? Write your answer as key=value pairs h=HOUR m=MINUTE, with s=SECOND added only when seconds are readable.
h=9 m=39
